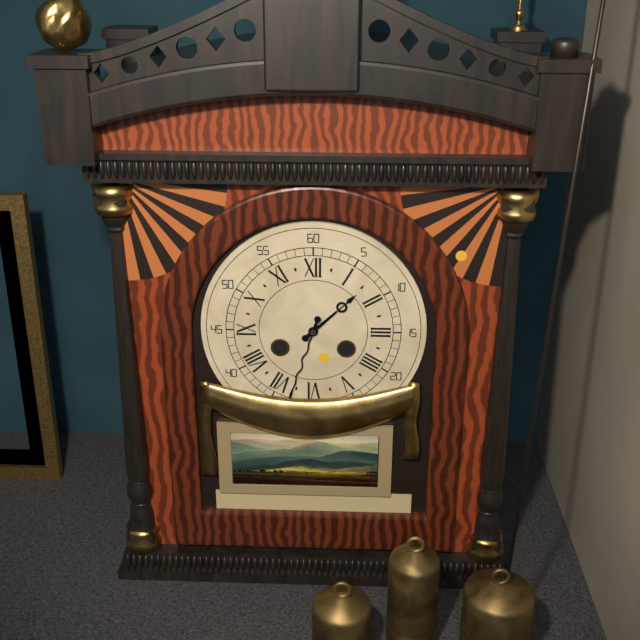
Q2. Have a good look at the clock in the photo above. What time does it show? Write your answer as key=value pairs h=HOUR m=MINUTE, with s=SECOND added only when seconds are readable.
h=1 m=33
